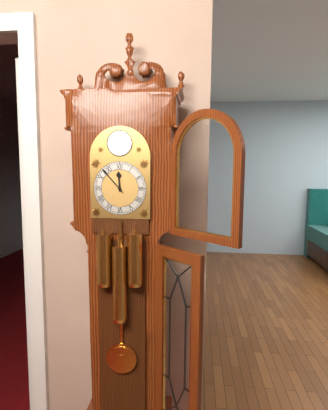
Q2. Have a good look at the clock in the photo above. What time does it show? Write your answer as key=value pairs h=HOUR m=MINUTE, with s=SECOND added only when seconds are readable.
h=11 m=53
